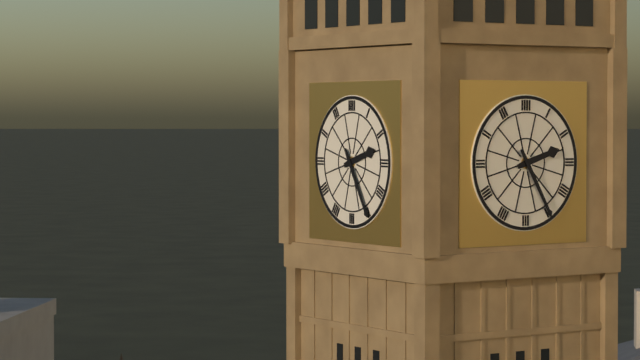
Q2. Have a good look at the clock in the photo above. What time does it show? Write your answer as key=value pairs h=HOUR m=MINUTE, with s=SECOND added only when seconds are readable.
h=2 m=25
